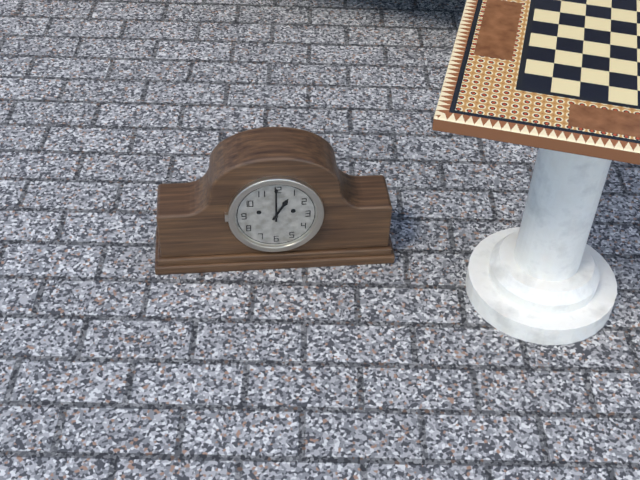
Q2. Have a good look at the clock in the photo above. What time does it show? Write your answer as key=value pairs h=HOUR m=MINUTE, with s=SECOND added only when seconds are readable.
h=1 m=0
